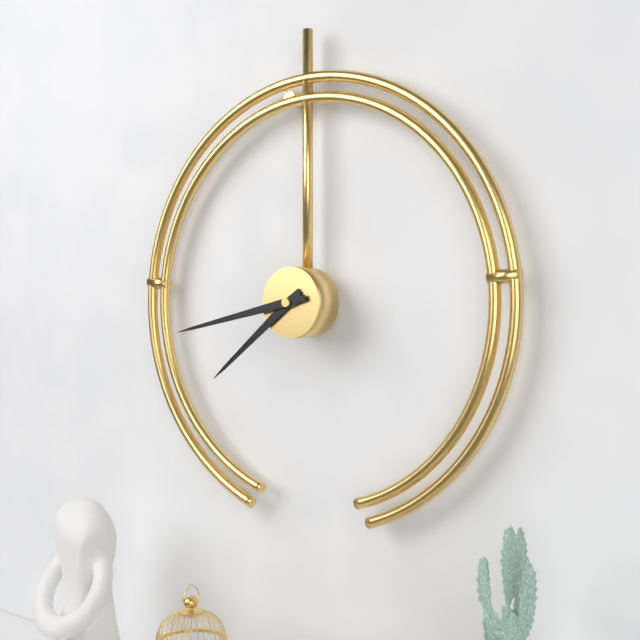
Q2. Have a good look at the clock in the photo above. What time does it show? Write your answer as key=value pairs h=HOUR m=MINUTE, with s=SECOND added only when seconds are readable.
h=7 m=43
